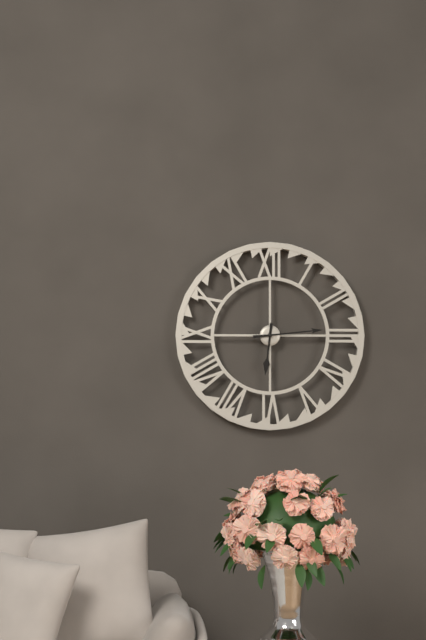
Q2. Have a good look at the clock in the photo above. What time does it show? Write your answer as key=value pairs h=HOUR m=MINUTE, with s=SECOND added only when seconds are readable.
h=6 m=14
